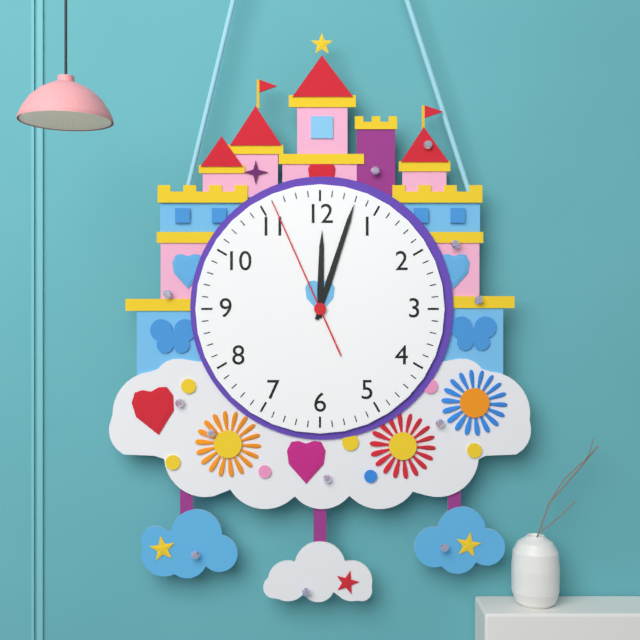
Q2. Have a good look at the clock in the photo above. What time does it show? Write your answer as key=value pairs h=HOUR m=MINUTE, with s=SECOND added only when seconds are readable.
h=12 m=3 s=56
